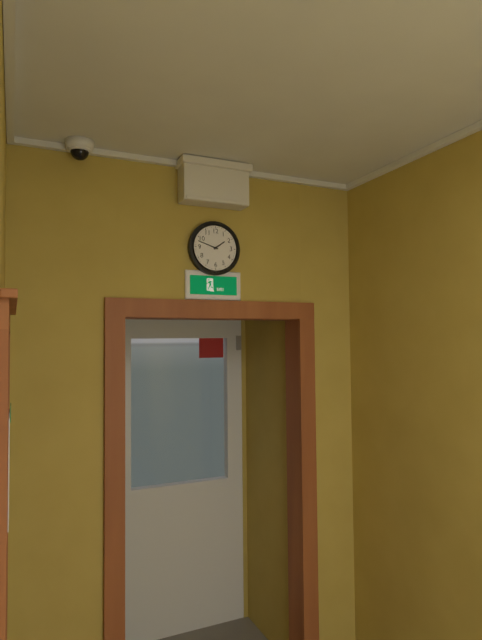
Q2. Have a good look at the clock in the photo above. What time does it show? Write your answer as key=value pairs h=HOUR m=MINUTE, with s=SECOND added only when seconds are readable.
h=1 m=48
